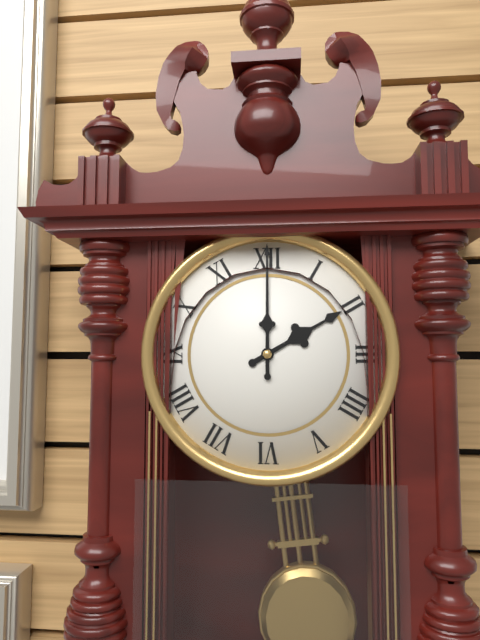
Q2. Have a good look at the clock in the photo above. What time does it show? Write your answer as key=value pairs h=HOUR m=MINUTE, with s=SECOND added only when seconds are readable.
h=2 m=0
